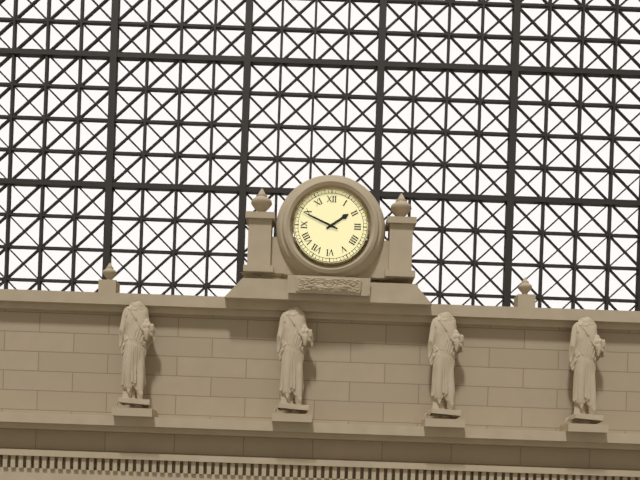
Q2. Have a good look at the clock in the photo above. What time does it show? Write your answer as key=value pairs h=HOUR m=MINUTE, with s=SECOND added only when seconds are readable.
h=1 m=49
